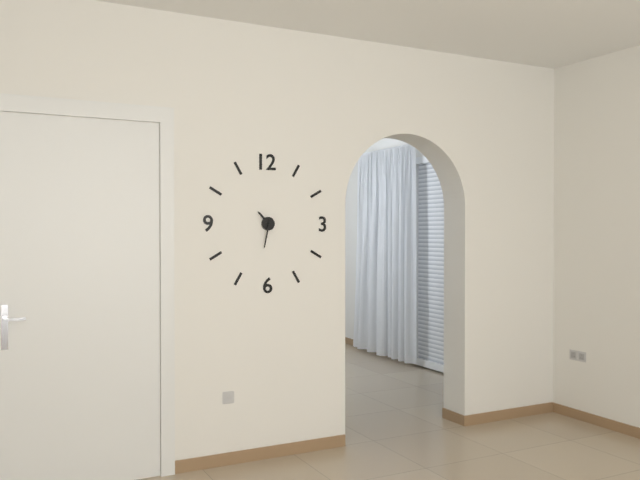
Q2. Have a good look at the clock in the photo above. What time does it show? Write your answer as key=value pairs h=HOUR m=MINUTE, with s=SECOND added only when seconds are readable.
h=10 m=32
